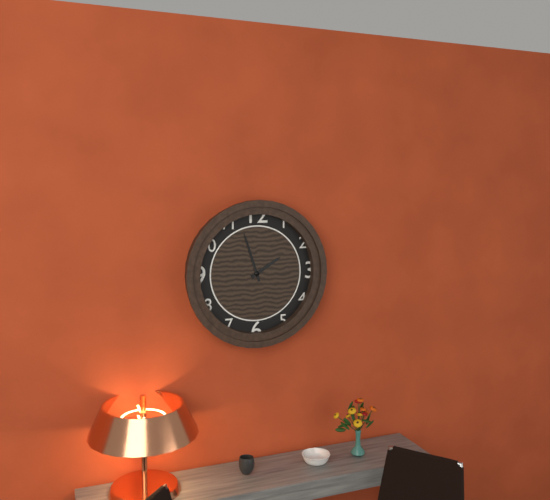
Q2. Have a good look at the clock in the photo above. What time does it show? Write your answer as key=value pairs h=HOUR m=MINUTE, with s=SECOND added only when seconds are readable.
h=1 m=57
